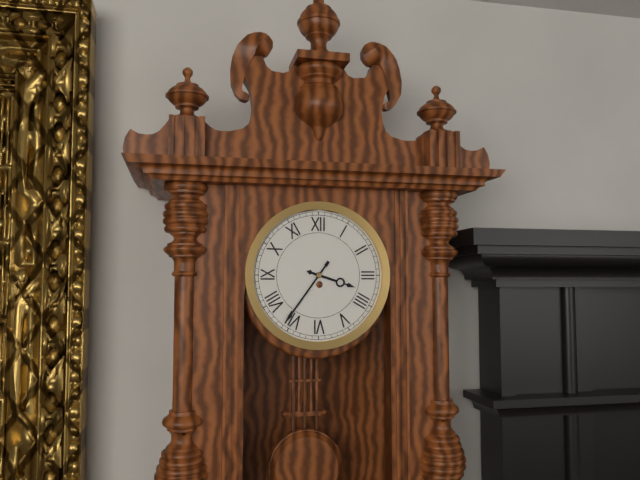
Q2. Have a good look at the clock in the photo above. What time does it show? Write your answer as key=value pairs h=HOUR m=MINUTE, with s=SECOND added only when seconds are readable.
h=3 m=36
